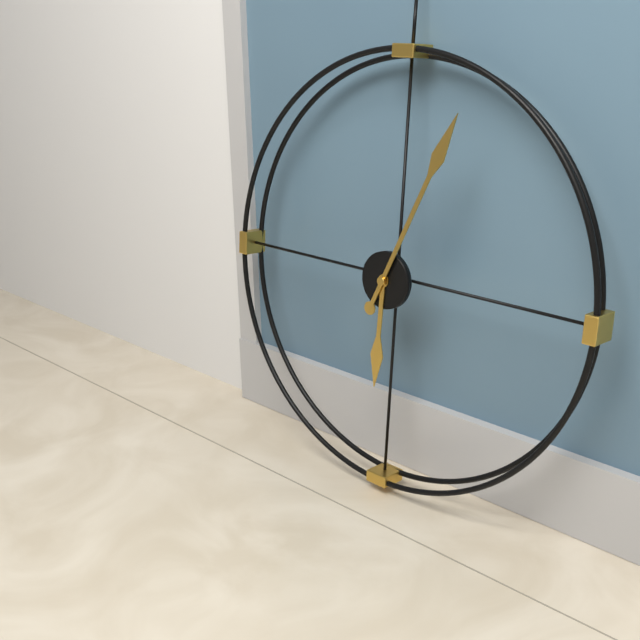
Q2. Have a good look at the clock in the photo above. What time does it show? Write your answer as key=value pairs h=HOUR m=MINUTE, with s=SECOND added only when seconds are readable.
h=6 m=4
